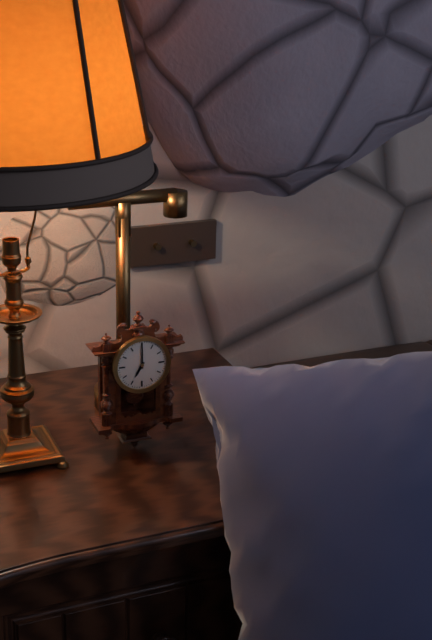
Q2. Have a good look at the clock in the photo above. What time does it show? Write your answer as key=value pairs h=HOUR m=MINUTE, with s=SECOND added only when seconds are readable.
h=7 m=0
